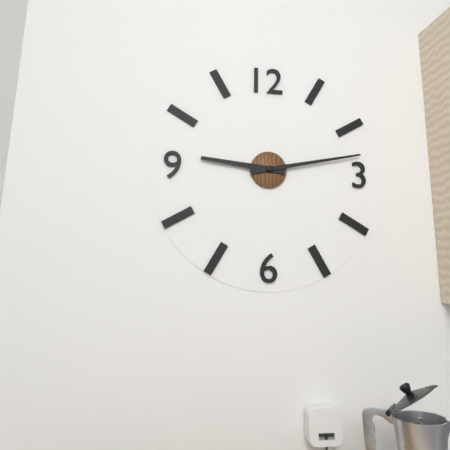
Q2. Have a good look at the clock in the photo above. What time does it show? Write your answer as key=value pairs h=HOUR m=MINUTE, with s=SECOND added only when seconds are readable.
h=9 m=13
